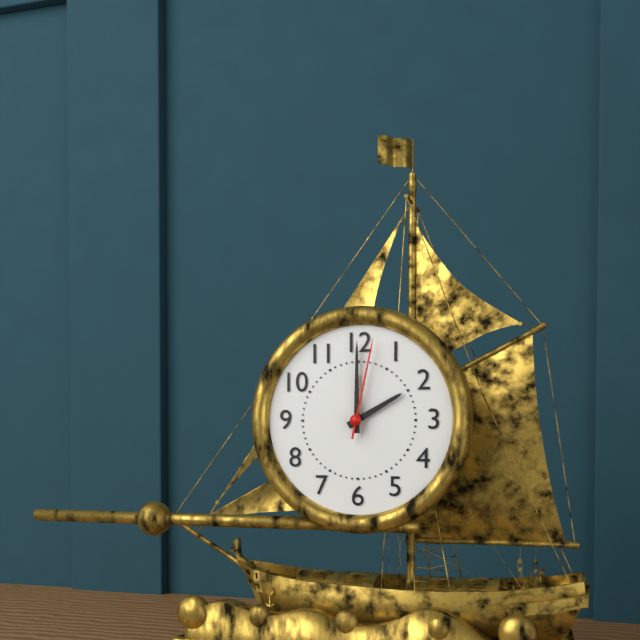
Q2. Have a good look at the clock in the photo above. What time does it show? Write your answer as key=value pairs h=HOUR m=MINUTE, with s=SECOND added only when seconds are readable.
h=2 m=0 s=2
